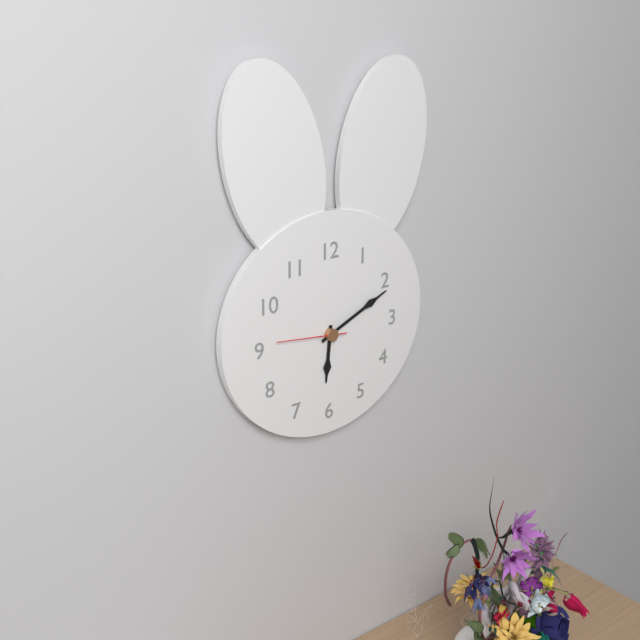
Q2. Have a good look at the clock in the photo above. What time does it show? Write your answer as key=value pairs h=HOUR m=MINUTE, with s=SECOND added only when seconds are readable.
h=6 m=11 s=46
